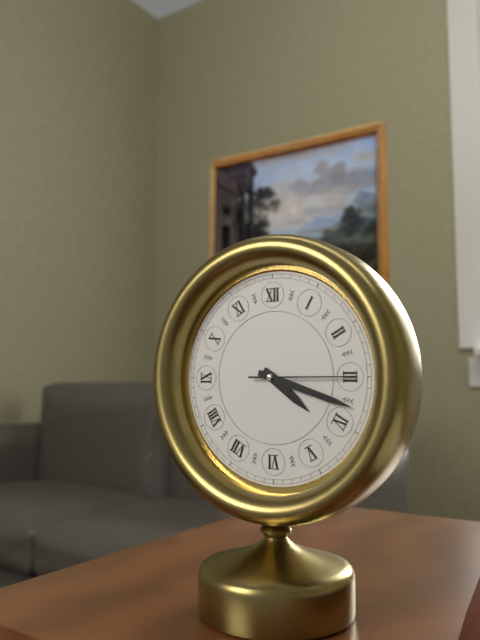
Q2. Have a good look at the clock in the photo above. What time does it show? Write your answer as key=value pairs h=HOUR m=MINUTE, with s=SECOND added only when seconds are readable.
h=4 m=18 s=15
